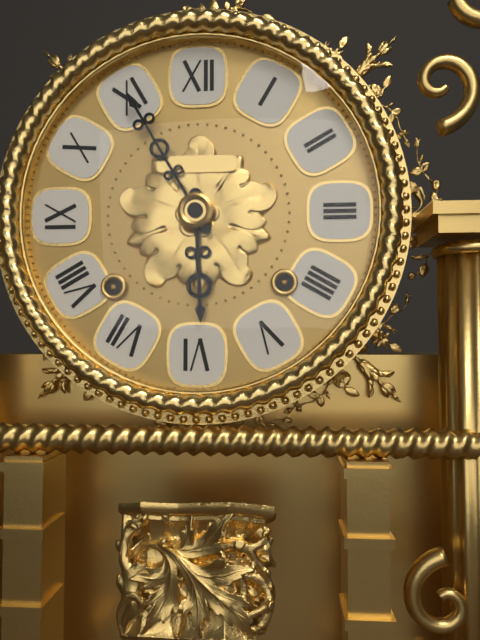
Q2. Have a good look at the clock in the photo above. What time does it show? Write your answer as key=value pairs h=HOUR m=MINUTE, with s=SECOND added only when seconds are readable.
h=5 m=55
